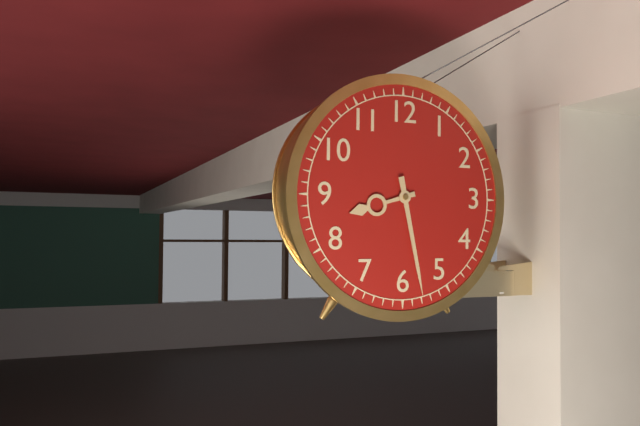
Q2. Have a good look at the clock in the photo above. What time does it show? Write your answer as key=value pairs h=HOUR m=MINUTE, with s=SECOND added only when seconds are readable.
h=8 m=28
